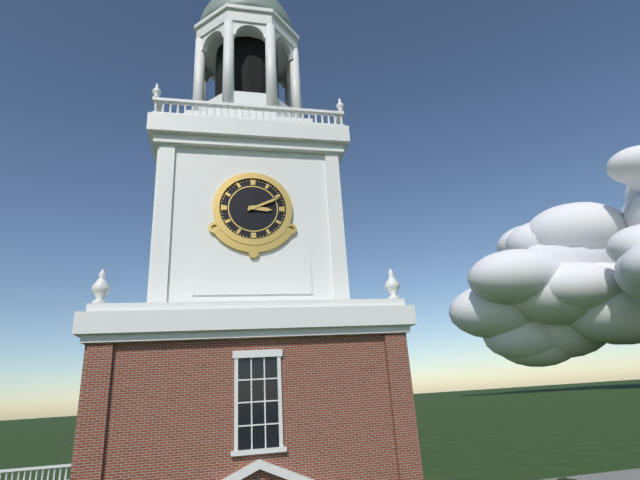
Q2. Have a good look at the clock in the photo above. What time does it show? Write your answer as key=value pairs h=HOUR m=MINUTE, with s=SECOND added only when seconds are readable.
h=3 m=11
